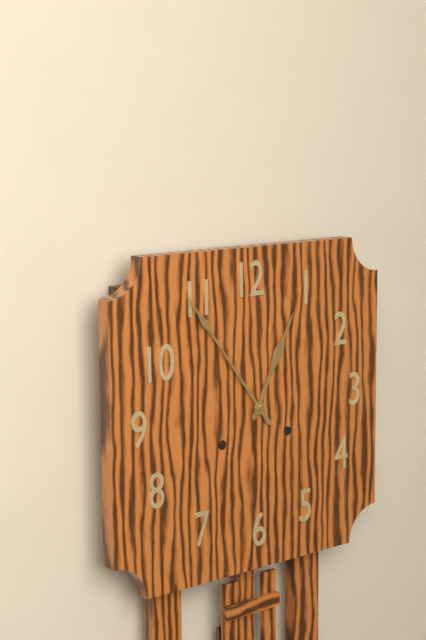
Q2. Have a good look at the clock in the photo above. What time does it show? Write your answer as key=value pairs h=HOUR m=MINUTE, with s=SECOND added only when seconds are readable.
h=12 m=54
